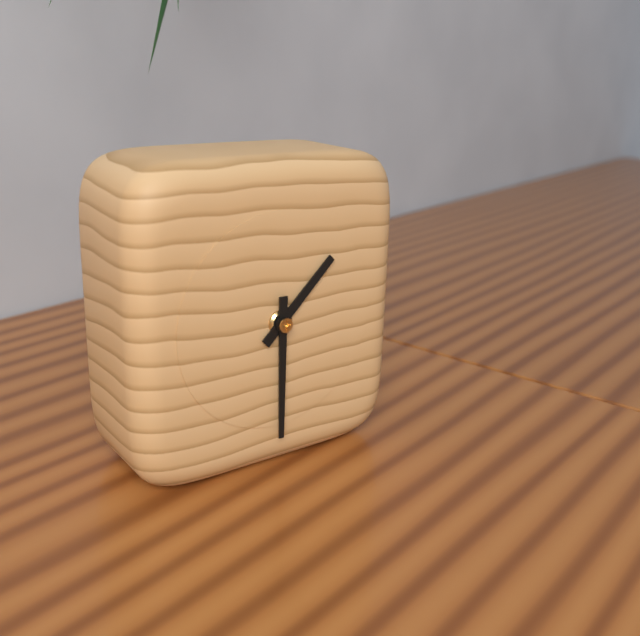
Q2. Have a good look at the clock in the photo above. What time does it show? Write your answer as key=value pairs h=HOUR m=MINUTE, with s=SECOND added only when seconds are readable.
h=1 m=30
